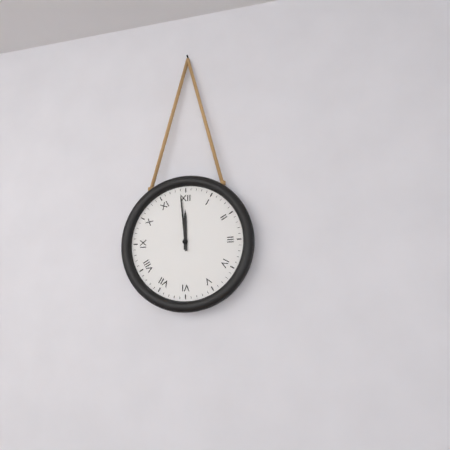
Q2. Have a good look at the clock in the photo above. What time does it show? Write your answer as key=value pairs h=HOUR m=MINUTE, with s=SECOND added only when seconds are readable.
h=11 m=59
